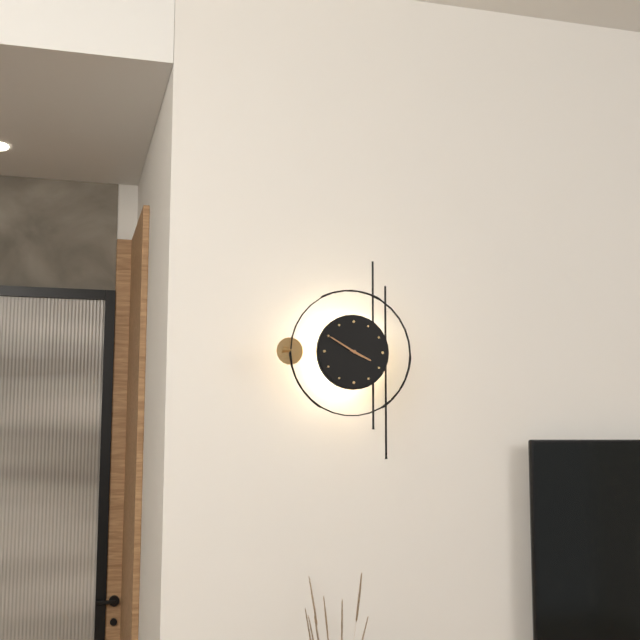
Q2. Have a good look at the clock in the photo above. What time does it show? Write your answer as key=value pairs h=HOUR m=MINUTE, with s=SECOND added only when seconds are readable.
h=3 m=50
